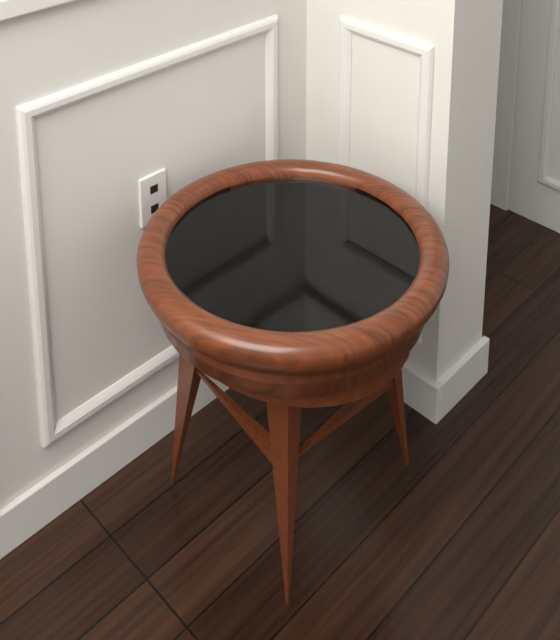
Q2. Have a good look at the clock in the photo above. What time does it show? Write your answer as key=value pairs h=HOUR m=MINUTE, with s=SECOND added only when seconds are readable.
h=1 m=49
